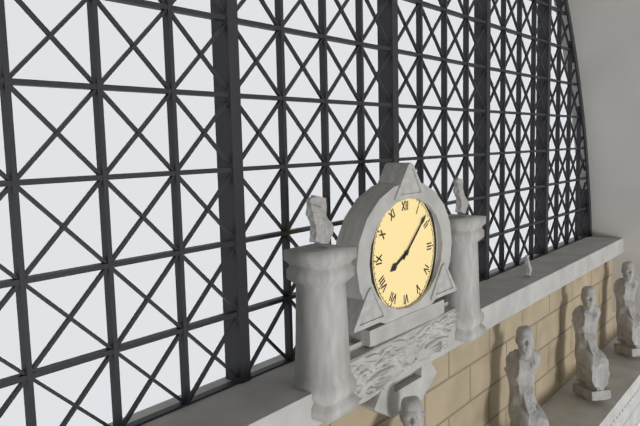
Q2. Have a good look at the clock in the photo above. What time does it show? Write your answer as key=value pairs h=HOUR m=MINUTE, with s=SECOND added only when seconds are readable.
h=8 m=8
